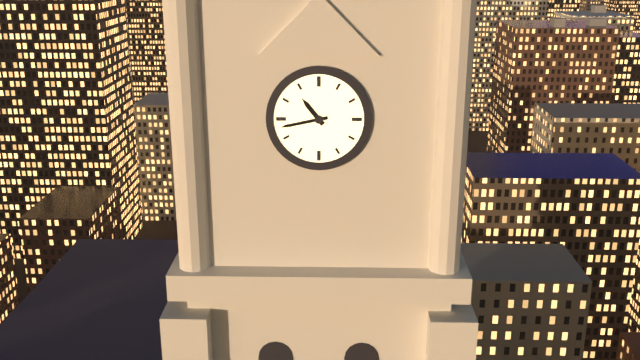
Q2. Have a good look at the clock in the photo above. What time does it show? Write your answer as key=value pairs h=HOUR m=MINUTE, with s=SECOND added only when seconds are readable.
h=10 m=43
